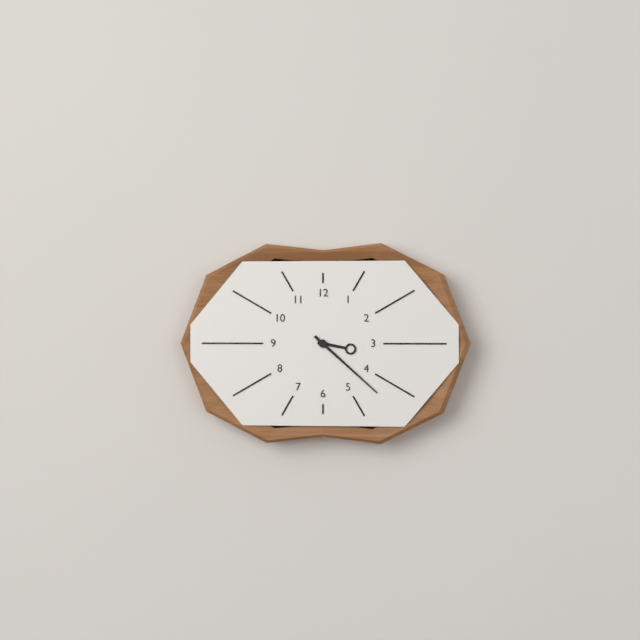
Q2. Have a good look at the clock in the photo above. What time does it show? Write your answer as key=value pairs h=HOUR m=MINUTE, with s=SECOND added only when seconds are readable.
h=3 m=22
